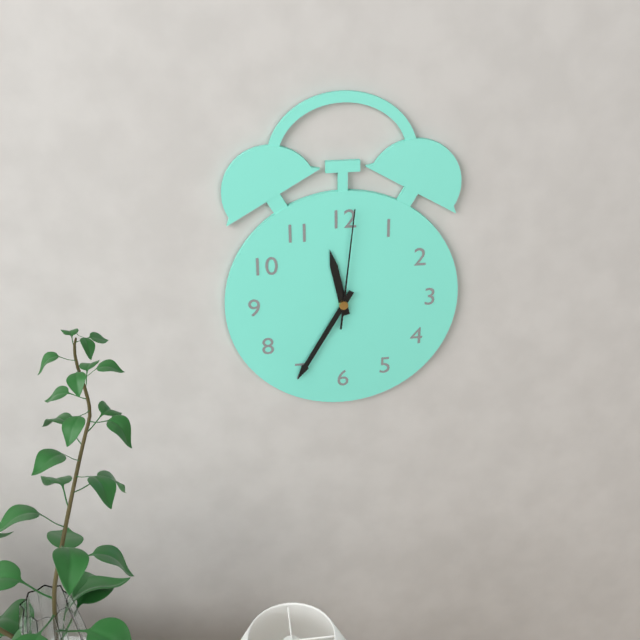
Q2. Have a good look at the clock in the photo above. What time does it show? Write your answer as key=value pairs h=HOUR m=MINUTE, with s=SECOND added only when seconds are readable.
h=11 m=35 s=1
